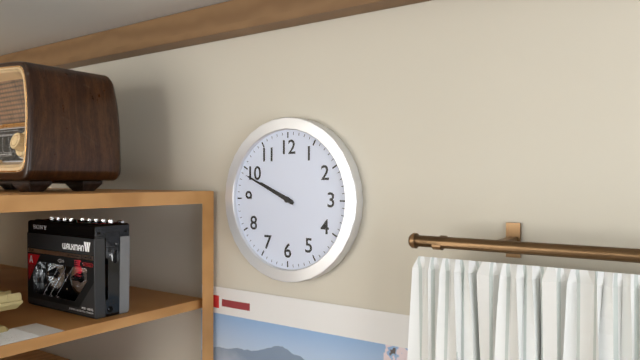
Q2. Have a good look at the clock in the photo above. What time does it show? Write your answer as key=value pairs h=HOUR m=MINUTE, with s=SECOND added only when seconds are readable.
h=9 m=49
